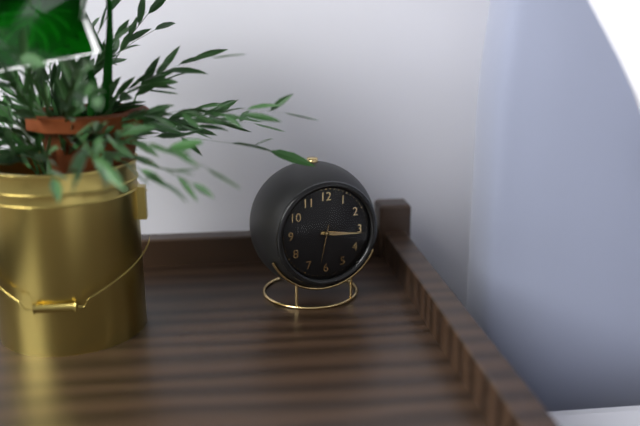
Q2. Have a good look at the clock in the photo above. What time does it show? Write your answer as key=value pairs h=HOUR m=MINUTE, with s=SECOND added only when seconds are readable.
h=3 m=16
